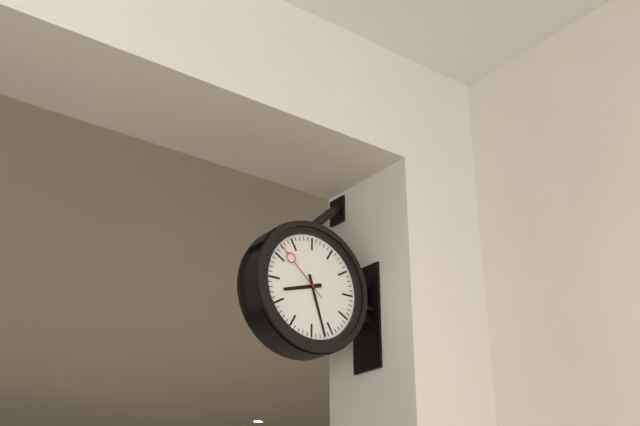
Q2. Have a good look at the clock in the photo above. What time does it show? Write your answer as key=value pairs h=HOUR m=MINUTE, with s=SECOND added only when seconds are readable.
h=8 m=27 s=52
